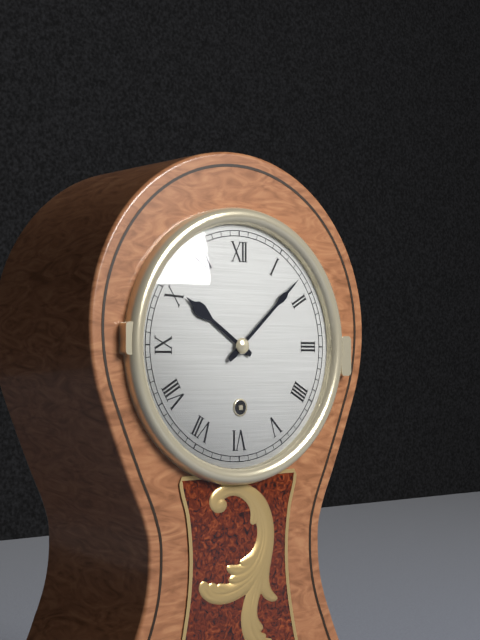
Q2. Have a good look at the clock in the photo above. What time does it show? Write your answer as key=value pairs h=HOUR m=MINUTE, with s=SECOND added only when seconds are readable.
h=10 m=8
